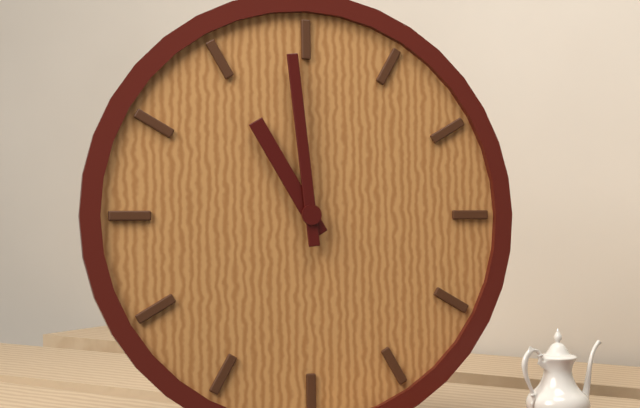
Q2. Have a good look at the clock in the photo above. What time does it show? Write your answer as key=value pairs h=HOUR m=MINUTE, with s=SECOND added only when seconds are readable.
h=10 m=59
